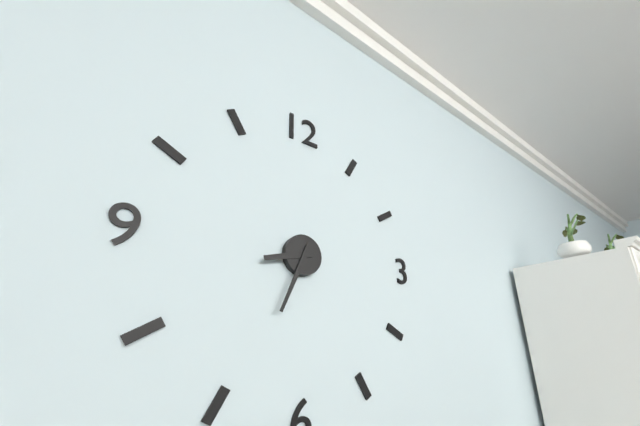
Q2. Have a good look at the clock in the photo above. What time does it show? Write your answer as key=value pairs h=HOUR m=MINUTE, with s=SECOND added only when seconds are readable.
h=8 m=34
